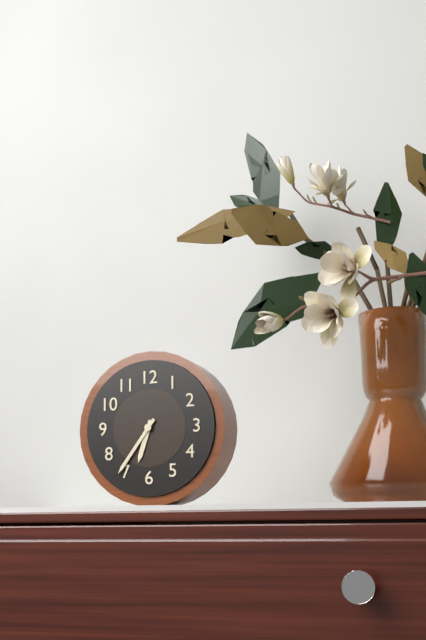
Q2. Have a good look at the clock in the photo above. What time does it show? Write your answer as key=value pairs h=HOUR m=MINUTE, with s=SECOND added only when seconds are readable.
h=6 m=36
